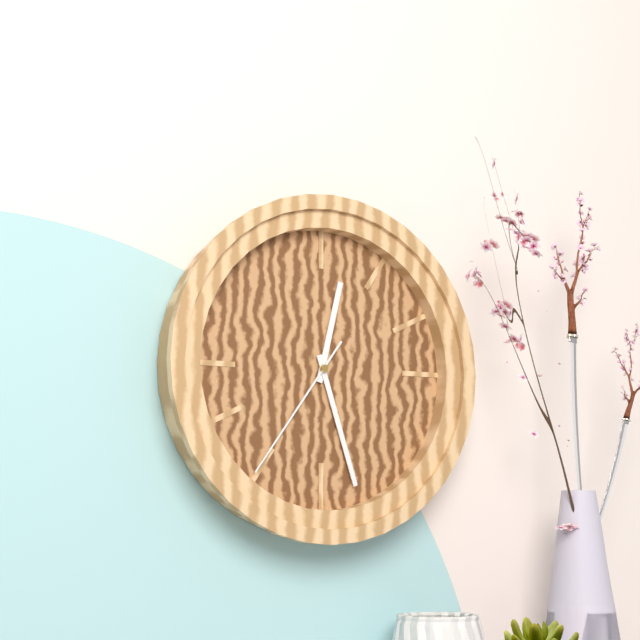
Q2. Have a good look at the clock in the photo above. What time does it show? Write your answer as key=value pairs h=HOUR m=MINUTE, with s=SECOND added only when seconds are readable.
h=12 m=27 s=36
